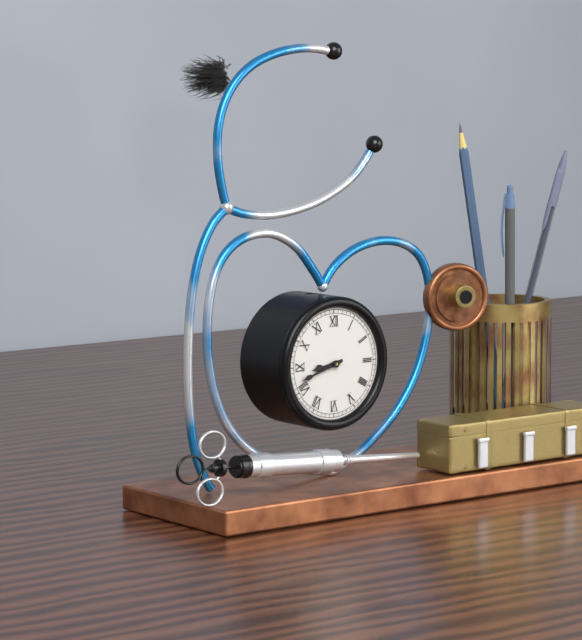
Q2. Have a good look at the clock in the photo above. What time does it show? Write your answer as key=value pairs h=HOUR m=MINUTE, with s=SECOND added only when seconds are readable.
h=8 m=42
